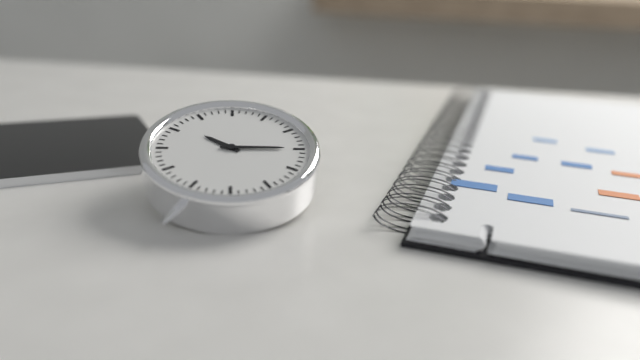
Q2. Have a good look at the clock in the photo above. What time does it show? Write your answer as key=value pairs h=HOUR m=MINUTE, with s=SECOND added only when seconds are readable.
h=10 m=15
